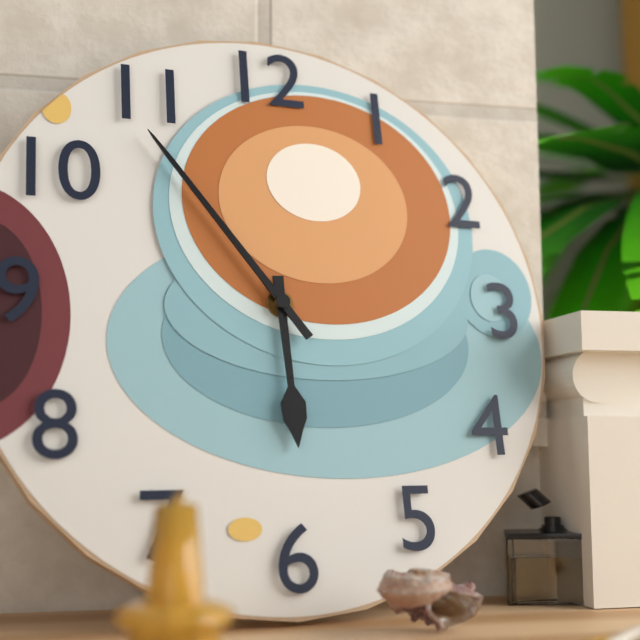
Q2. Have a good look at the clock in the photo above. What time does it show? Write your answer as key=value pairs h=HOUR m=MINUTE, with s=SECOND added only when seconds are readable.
h=5 m=54
